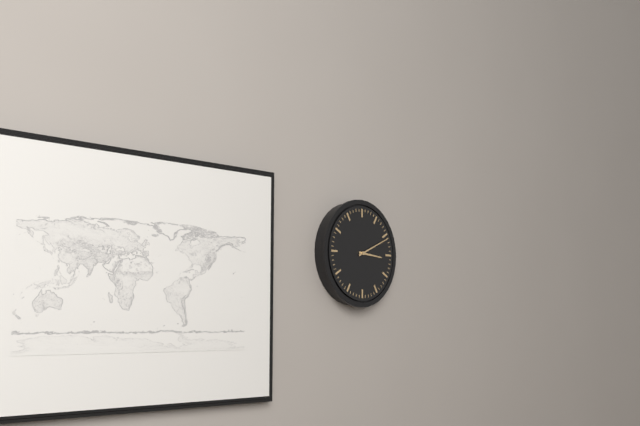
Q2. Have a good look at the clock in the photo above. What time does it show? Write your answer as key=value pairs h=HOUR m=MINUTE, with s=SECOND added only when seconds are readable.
h=3 m=11
